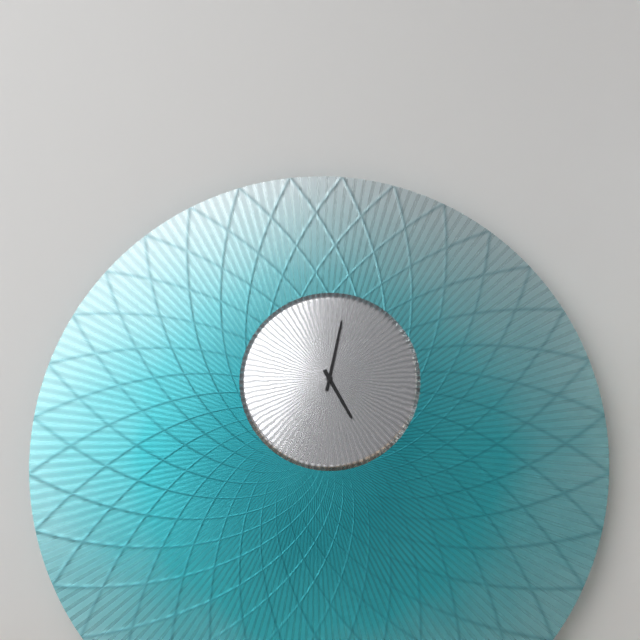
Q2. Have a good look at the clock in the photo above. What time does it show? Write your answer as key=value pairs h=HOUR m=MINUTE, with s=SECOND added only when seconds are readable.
h=5 m=2
